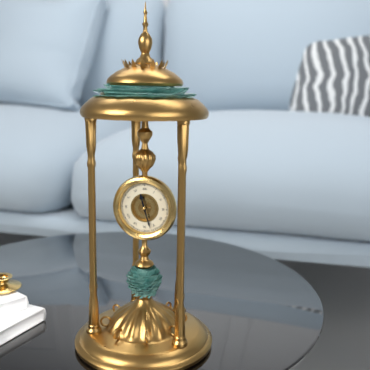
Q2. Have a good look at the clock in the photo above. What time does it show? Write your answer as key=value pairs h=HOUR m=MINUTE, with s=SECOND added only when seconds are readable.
h=11 m=27
